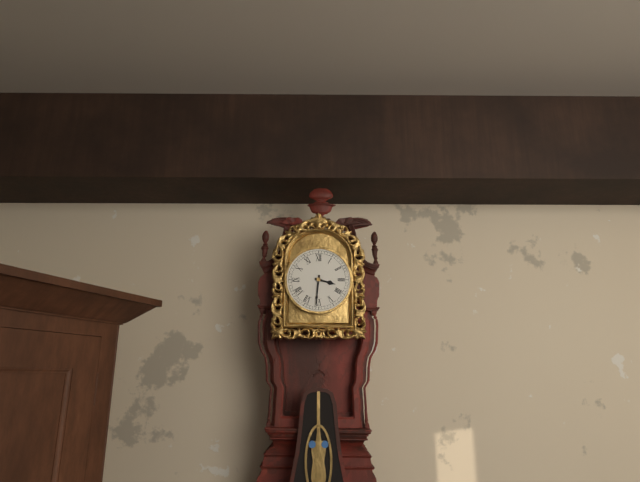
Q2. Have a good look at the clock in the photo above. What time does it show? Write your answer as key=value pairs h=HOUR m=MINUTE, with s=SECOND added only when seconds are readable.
h=3 m=31
